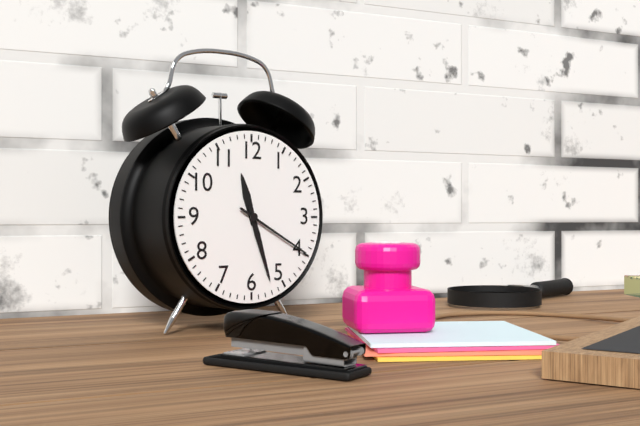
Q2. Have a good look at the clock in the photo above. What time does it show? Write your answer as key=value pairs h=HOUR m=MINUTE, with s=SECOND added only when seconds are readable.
h=11 m=27 s=20
